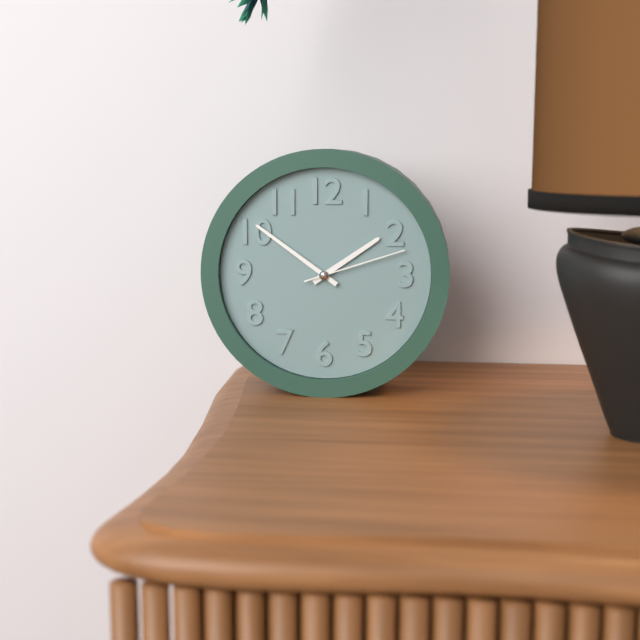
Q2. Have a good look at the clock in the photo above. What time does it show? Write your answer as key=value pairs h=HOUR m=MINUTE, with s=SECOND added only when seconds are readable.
h=1 m=51 s=12
